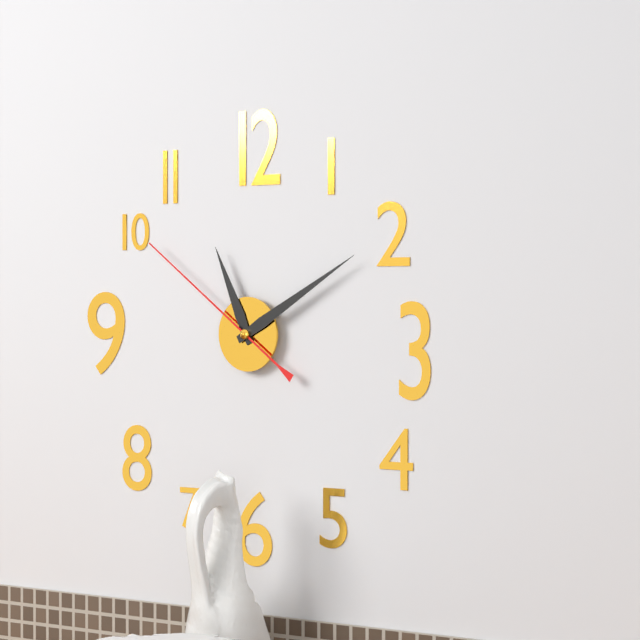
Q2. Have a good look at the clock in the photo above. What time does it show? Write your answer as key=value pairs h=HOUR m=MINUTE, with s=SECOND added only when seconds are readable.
h=11 m=10 s=51
